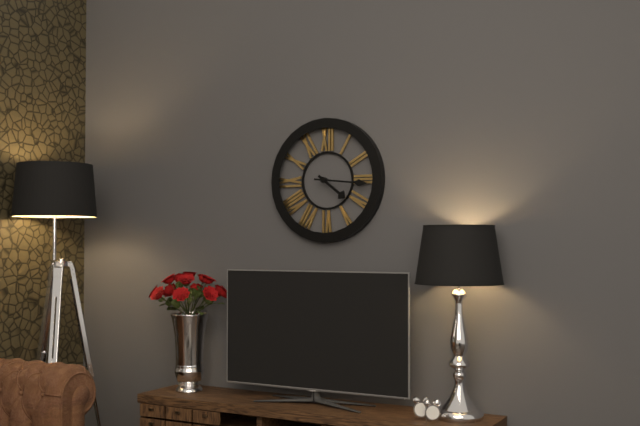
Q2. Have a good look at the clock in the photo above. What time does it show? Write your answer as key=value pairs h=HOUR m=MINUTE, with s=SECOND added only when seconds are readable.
h=4 m=16
